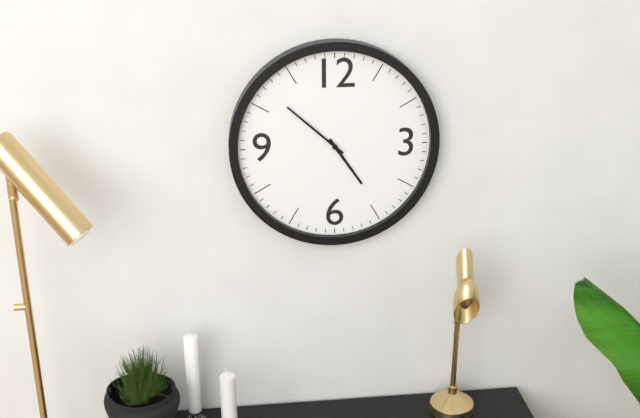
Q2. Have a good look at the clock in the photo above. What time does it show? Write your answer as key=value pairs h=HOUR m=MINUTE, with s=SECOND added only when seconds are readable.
h=4 m=52
